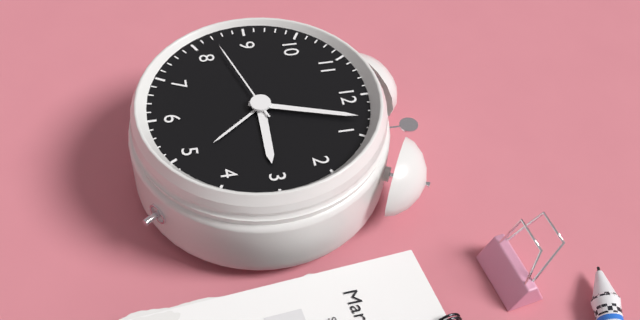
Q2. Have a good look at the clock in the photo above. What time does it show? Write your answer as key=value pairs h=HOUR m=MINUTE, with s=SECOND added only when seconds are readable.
h=3 m=3 s=42
